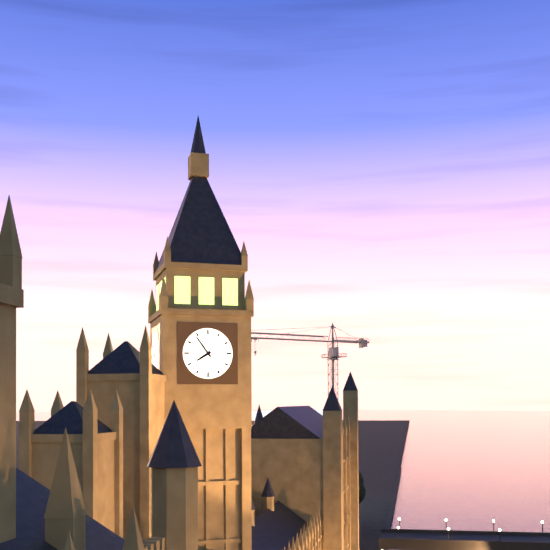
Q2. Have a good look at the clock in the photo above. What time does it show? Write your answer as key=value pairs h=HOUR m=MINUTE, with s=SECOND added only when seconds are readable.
h=7 m=54
